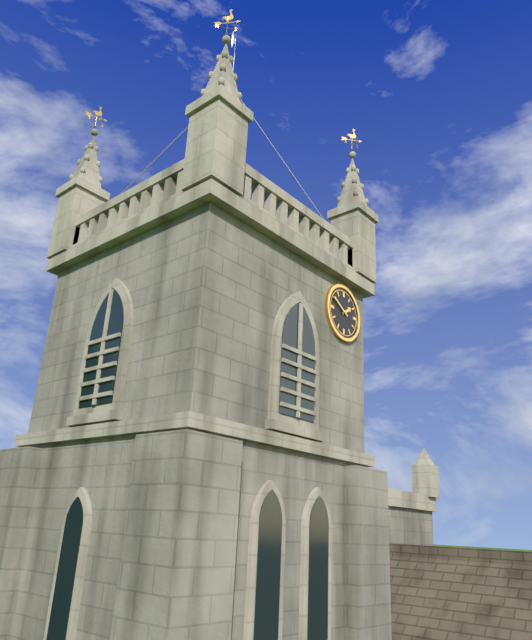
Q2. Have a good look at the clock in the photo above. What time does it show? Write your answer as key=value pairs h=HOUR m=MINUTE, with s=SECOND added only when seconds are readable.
h=1 m=50
